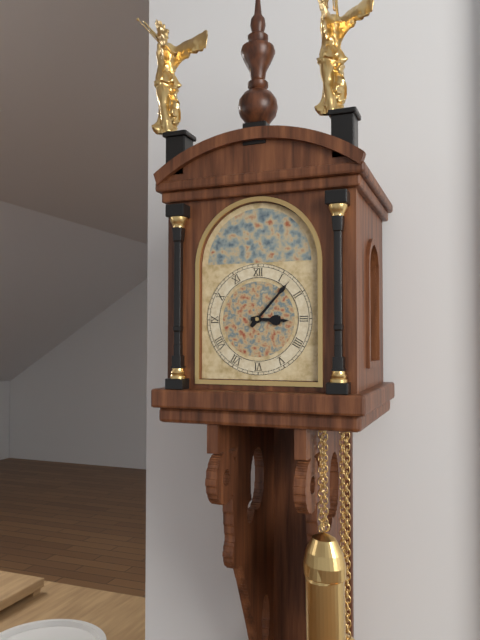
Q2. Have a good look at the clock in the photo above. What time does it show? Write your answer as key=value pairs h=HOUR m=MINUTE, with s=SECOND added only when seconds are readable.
h=3 m=7
